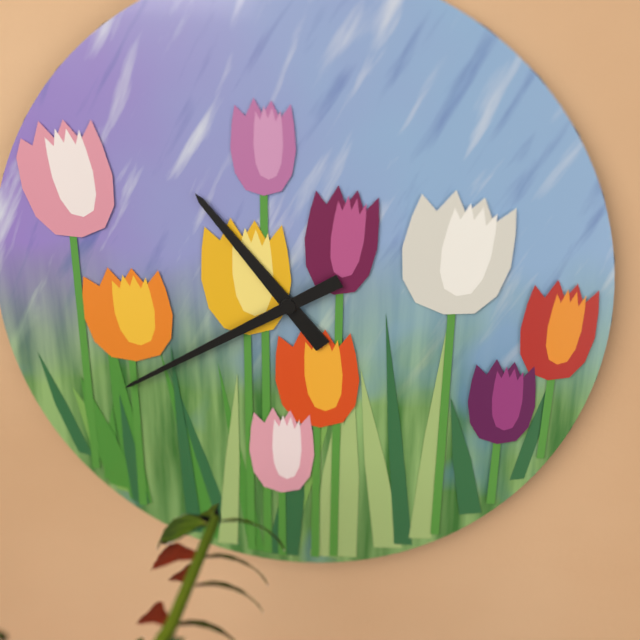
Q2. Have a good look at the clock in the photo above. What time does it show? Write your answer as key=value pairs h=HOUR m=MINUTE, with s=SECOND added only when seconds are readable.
h=10 m=40
